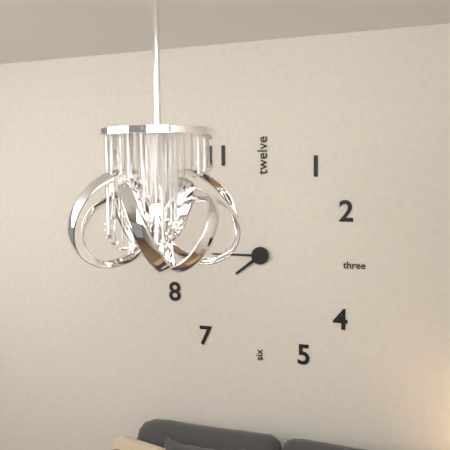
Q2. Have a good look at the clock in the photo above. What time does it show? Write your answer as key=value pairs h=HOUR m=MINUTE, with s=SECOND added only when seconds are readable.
h=7 m=45
